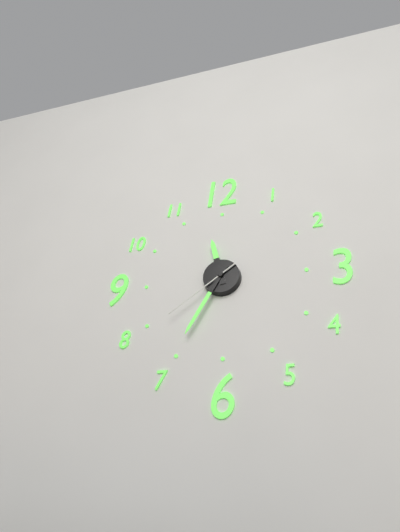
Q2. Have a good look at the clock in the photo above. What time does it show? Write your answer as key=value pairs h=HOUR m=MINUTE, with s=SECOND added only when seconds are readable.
h=11 m=35 s=39
